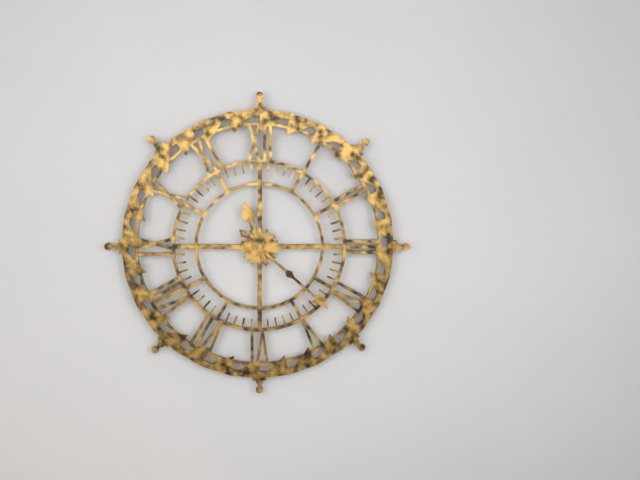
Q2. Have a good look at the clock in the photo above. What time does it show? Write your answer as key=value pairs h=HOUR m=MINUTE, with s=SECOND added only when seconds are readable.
h=11 m=22
